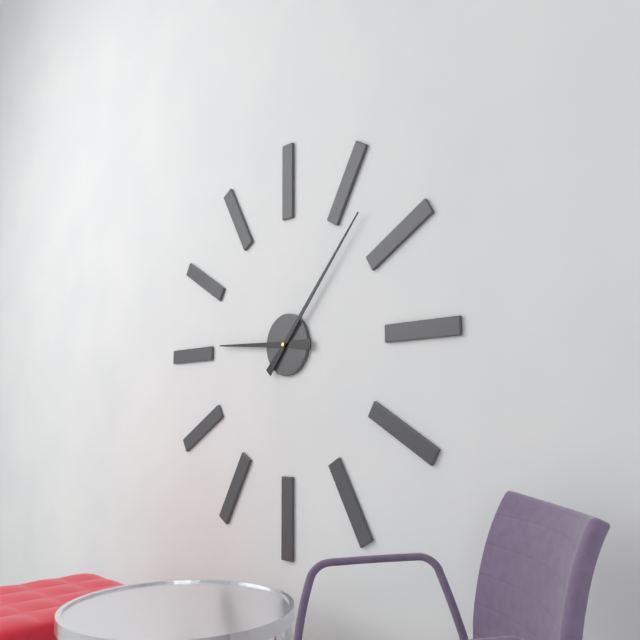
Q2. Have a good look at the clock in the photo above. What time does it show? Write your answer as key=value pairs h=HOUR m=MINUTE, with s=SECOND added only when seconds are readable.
h=9 m=7
